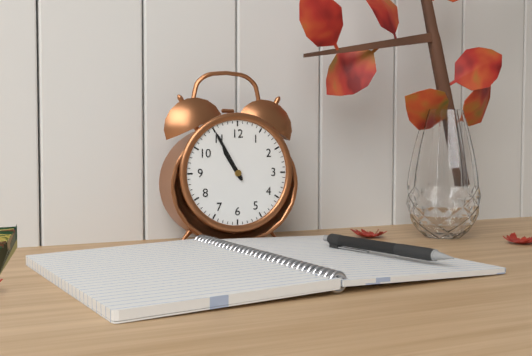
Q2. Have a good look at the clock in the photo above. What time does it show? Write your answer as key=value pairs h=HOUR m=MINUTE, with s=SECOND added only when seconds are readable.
h=10 m=55
